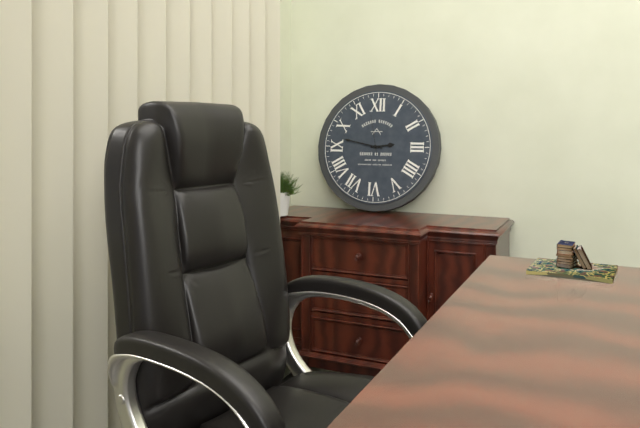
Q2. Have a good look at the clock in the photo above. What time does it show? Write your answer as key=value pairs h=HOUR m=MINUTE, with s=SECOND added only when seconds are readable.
h=2 m=47
